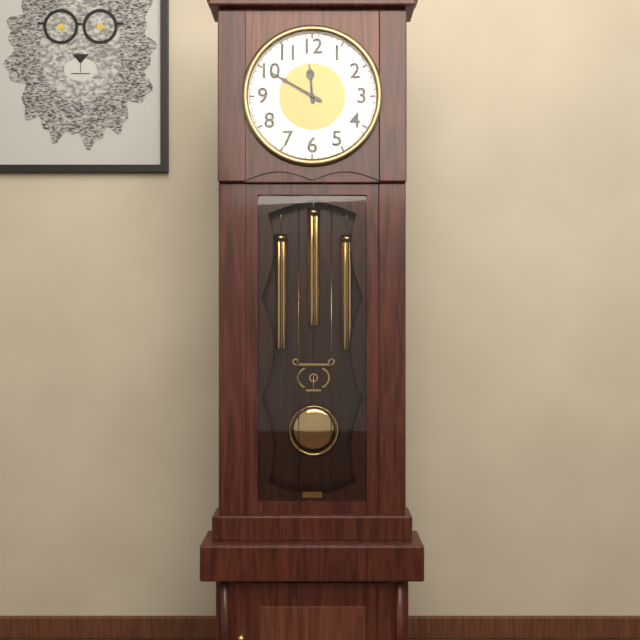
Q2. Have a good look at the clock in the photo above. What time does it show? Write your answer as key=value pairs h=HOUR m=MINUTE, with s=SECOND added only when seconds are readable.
h=11 m=50
